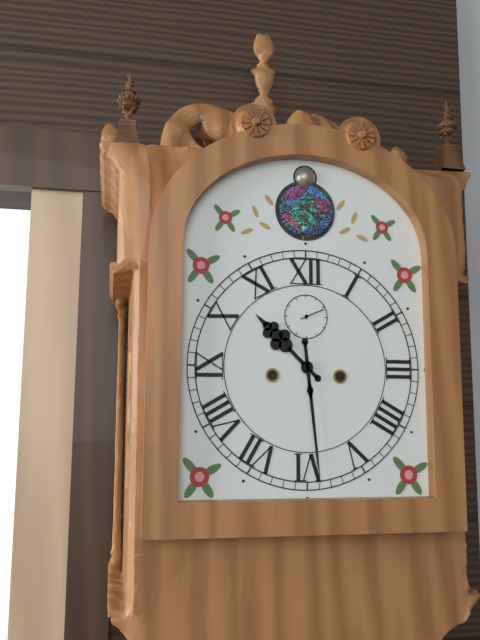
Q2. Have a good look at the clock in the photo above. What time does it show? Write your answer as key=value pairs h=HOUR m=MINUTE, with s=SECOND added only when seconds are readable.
h=10 m=29
